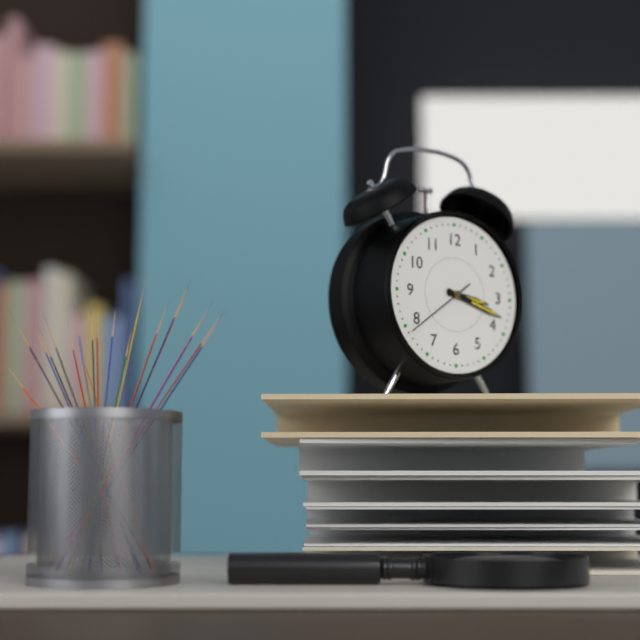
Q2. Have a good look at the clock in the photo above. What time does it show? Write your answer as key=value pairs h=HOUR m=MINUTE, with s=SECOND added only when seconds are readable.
h=3 m=18 s=39
